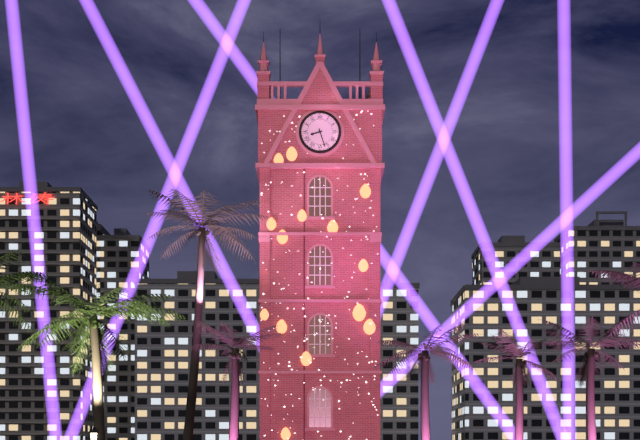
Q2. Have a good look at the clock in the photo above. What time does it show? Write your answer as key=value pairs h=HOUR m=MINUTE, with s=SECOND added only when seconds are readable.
h=8 m=27
